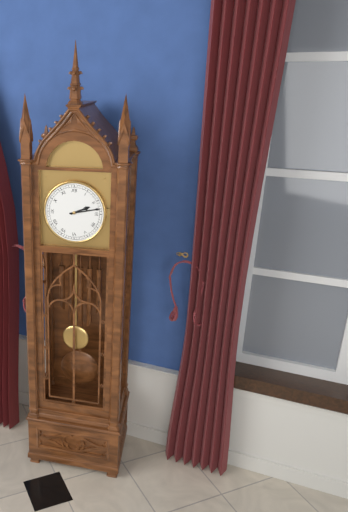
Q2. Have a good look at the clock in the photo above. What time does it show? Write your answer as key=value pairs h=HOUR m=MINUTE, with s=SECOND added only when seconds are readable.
h=2 m=13
